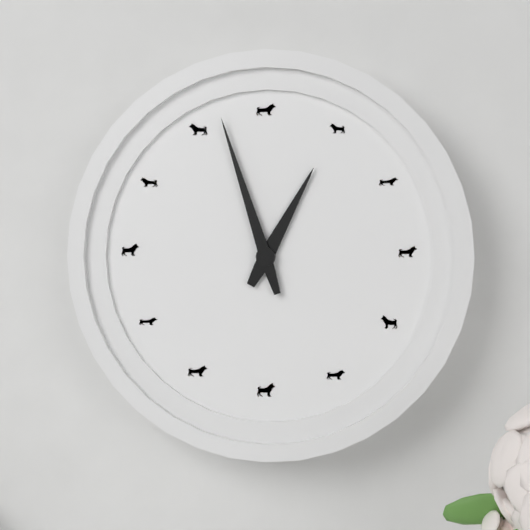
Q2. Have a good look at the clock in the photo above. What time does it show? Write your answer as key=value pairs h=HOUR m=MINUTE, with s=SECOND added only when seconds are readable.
h=12 m=57
